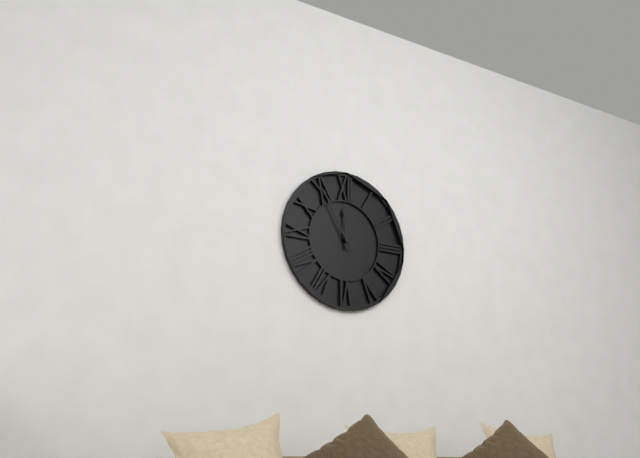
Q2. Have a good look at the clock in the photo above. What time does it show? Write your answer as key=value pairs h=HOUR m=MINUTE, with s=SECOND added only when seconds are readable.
h=11 m=55
